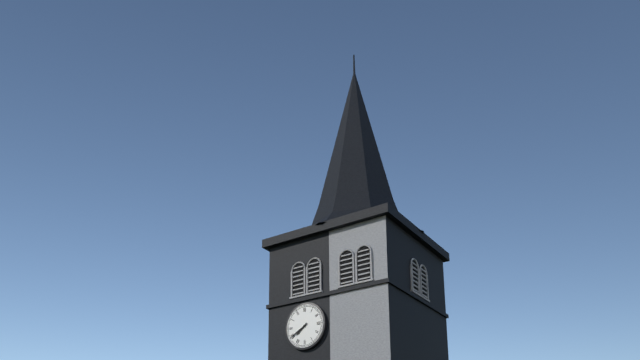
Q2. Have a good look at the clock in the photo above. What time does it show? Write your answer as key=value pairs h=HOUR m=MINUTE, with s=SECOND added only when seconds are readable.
h=7 m=40
